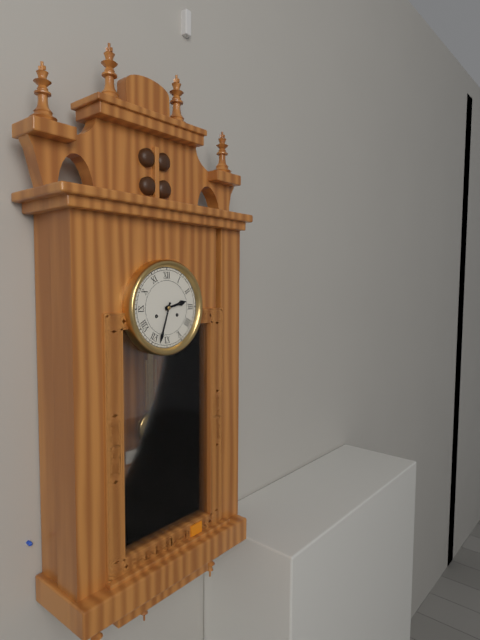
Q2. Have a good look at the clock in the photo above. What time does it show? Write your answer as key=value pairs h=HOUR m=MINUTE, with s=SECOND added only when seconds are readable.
h=2 m=33
